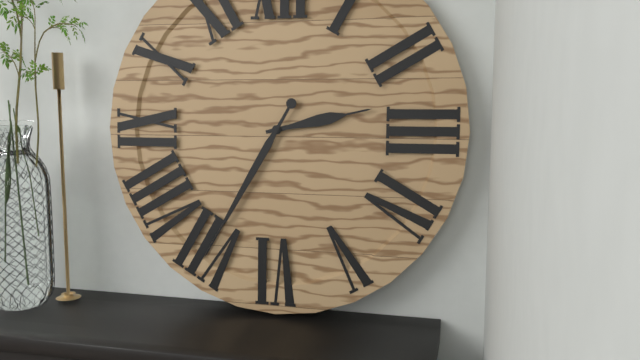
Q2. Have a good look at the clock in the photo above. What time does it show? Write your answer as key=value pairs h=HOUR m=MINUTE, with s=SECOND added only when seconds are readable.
h=2 m=35
